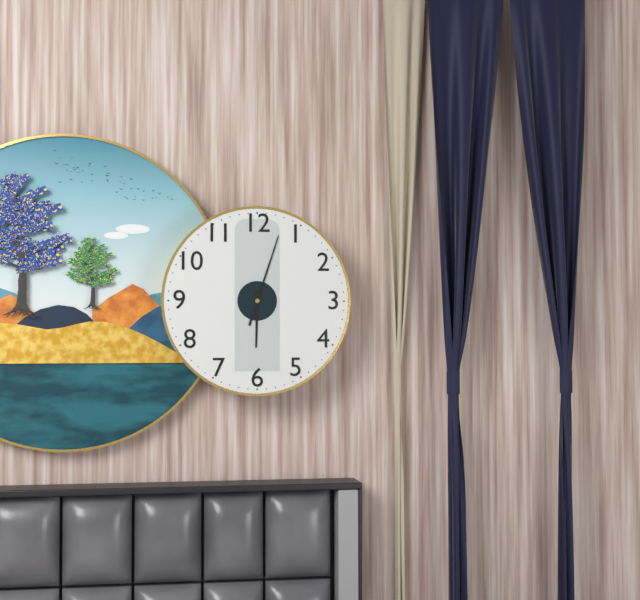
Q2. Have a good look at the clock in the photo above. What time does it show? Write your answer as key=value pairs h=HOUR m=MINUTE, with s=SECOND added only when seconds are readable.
h=6 m=3
